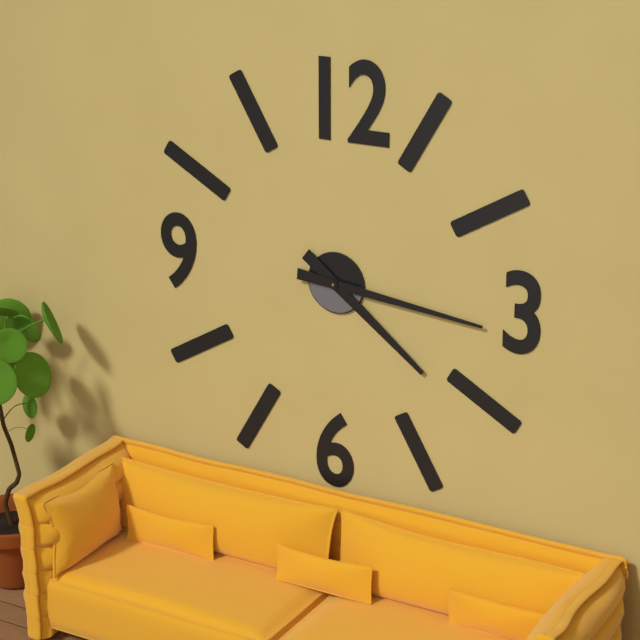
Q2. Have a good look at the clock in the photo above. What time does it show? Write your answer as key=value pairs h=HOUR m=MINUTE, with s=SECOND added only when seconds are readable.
h=4 m=16
